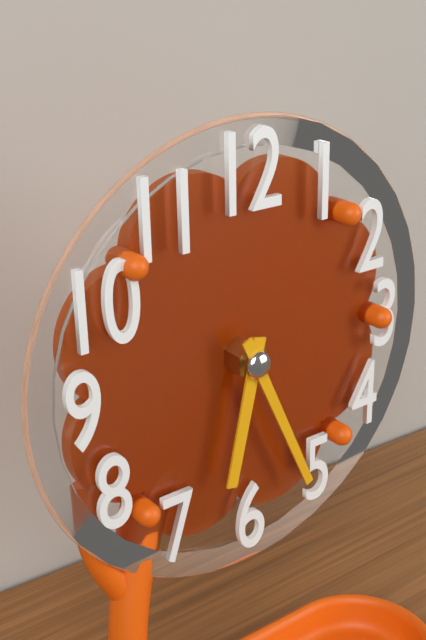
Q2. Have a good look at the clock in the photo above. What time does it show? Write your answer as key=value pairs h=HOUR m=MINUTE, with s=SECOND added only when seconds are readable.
h=6 m=26
